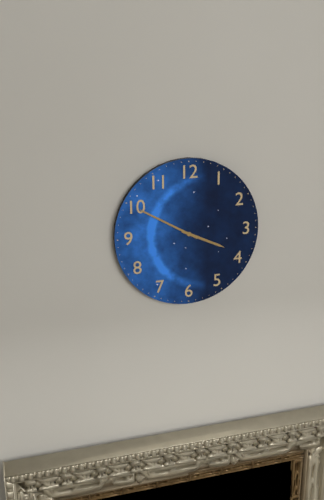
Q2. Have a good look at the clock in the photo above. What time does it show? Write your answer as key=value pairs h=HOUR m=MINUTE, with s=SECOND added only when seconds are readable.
h=3 m=50
